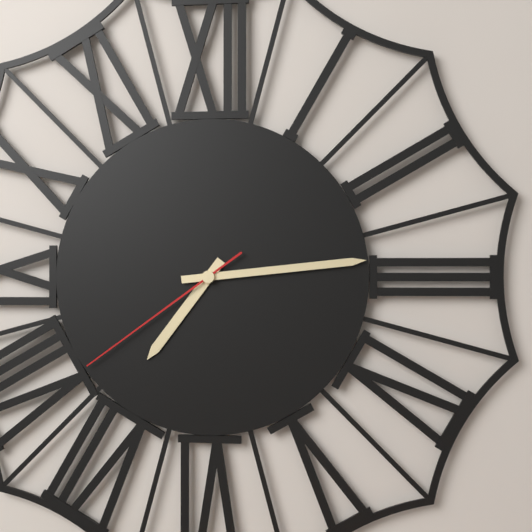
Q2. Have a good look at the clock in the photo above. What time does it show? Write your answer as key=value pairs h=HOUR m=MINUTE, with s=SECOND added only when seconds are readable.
h=7 m=14 s=39
